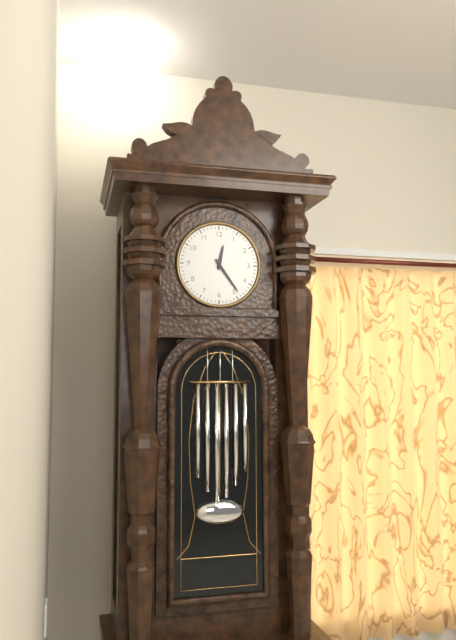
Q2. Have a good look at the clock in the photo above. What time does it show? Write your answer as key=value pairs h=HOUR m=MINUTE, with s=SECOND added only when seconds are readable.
h=12 m=24
